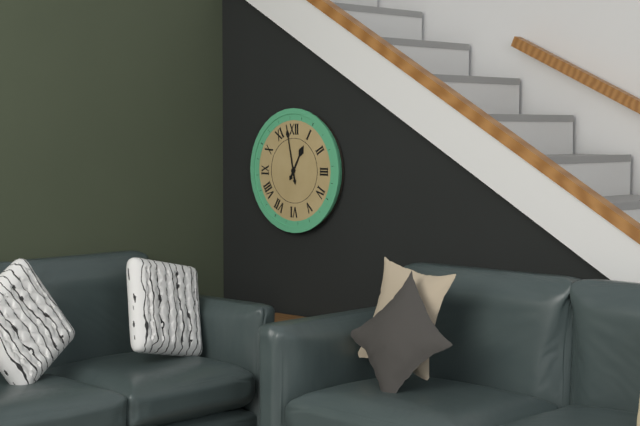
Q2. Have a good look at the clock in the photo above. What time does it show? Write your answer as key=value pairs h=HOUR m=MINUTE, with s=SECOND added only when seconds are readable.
h=12 m=58
